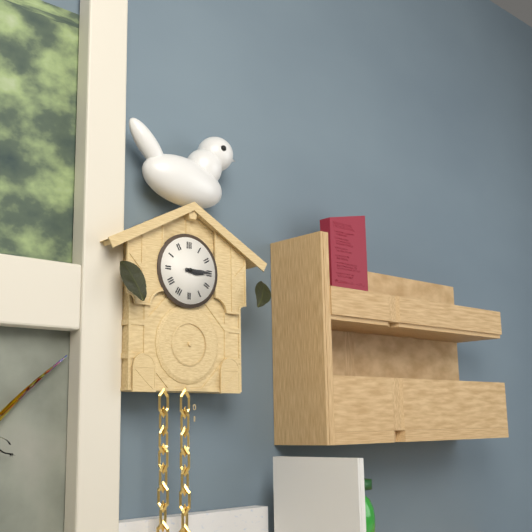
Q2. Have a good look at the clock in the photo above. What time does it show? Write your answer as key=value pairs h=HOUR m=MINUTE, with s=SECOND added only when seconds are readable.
h=3 m=15
